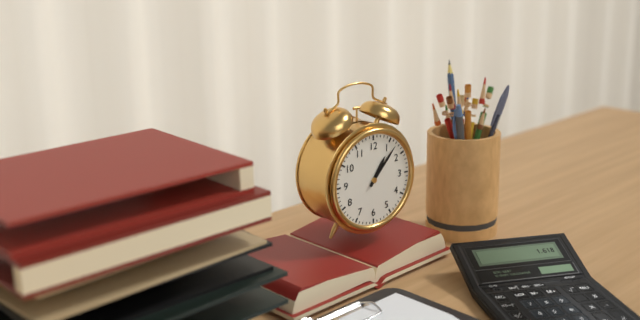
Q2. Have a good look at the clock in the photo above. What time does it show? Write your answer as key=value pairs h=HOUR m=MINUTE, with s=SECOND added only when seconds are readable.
h=1 m=7
